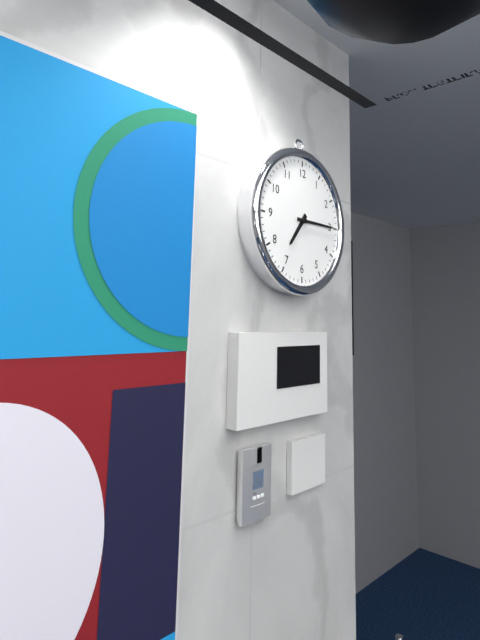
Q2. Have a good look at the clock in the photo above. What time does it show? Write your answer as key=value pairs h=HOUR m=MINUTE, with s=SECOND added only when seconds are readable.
h=7 m=15
